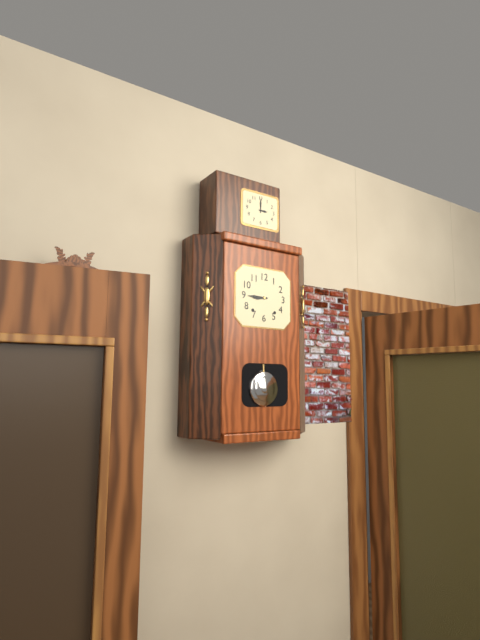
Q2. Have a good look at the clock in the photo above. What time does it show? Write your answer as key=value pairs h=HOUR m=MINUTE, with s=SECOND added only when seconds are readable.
h=8 m=45
